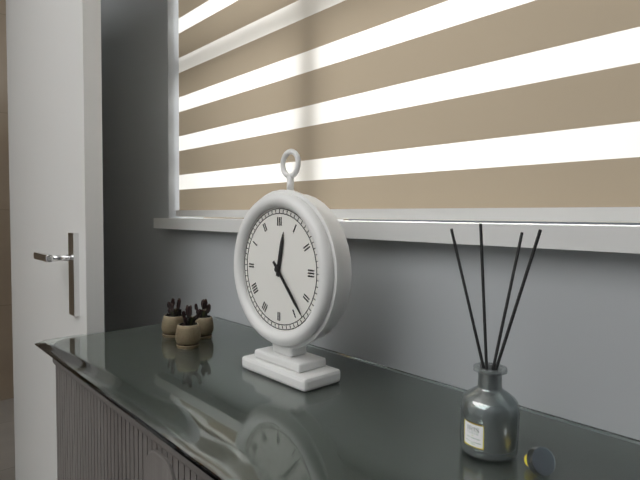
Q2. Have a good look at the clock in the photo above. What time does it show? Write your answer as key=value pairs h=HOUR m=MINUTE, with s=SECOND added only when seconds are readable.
h=12 m=23
